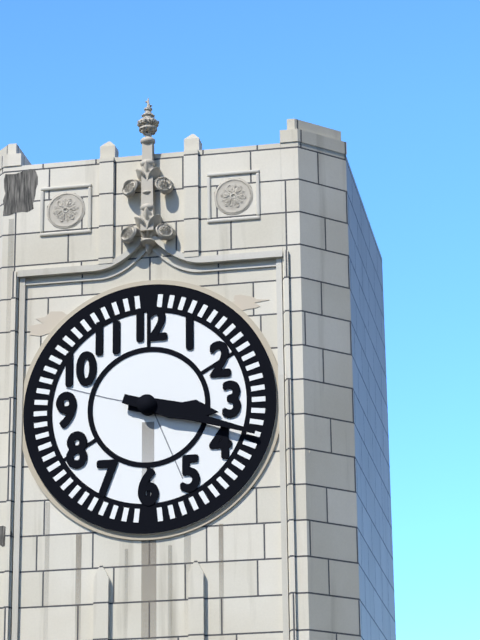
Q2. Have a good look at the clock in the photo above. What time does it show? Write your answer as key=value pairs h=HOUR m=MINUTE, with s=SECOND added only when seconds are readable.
h=3 m=18
